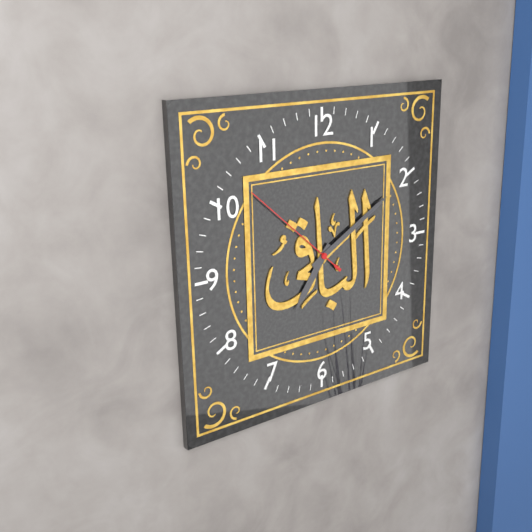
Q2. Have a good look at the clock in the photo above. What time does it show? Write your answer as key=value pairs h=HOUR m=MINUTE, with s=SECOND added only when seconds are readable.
h=7 m=10 s=52
